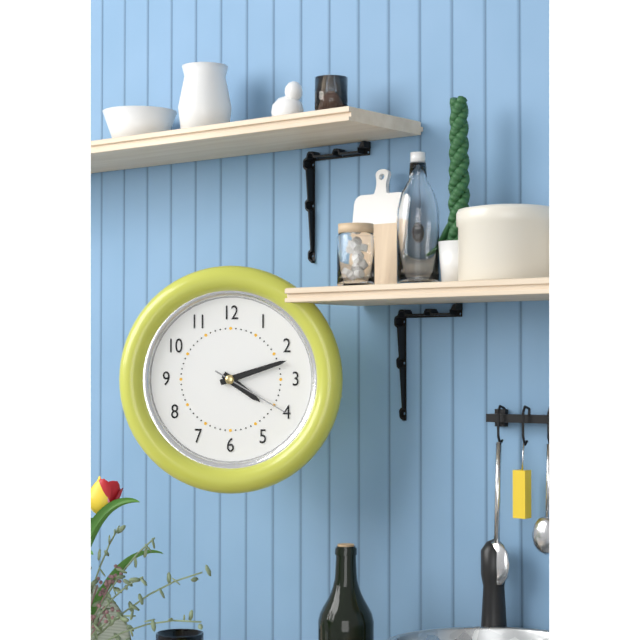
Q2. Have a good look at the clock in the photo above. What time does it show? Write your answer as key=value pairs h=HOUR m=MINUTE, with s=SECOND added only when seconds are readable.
h=4 m=12 s=20
